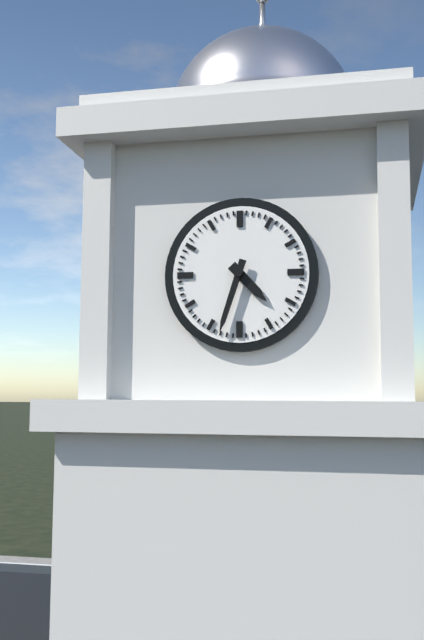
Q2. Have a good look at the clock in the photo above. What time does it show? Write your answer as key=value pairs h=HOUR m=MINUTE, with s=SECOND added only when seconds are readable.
h=4 m=33
